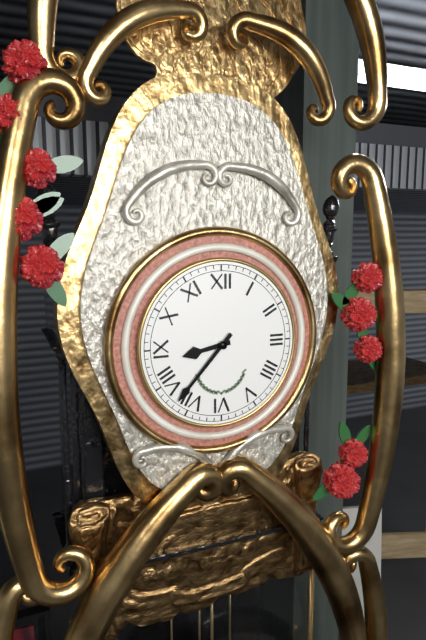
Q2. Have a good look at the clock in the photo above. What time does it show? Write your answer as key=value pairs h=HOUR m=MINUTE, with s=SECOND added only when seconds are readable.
h=8 m=37
